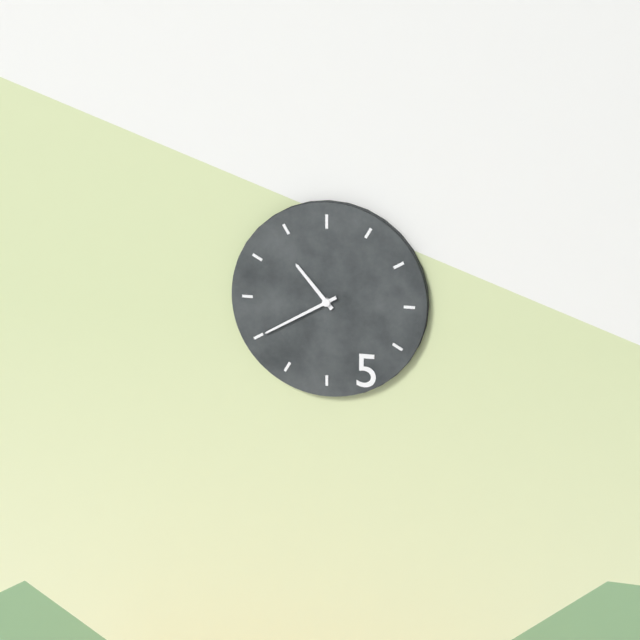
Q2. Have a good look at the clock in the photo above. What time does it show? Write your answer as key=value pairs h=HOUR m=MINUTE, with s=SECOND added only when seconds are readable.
h=10 m=40
